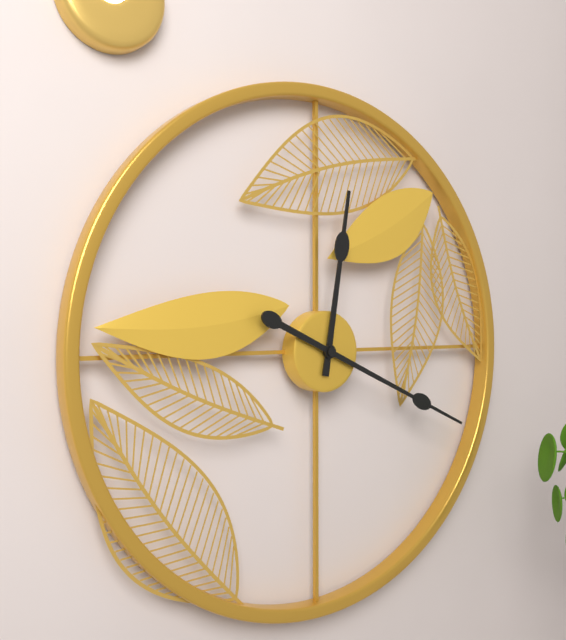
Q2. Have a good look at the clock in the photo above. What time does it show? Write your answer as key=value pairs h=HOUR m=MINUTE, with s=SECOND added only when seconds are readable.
h=12 m=19
